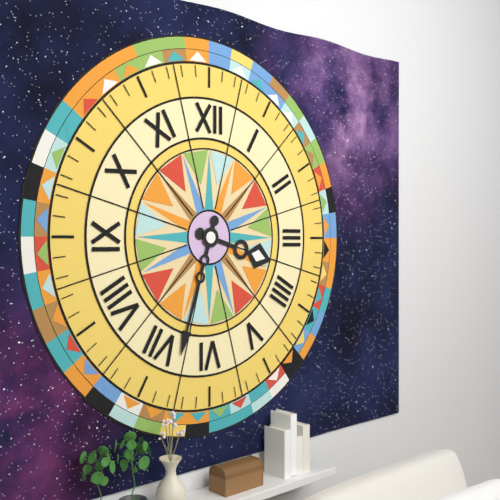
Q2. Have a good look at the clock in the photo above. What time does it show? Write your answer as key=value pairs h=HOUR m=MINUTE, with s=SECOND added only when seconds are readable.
h=3 m=33
